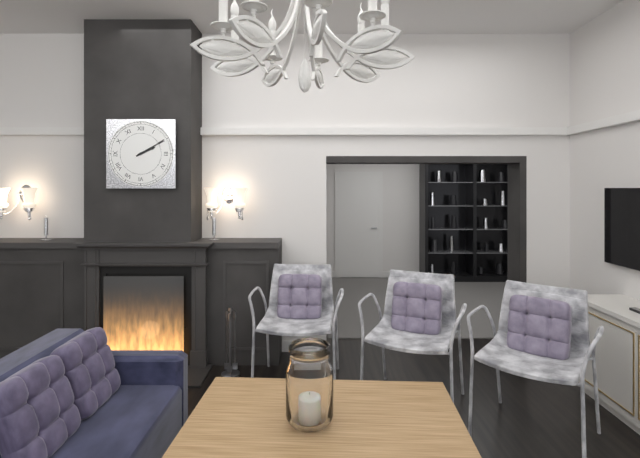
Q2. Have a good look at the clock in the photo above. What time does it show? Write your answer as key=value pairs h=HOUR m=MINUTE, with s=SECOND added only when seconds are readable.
h=2 m=10
